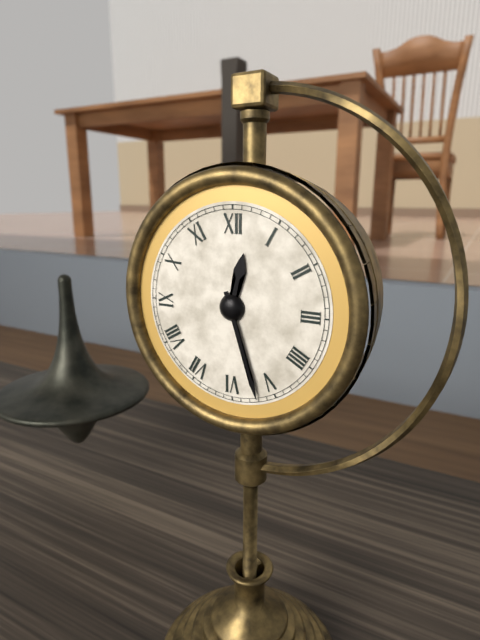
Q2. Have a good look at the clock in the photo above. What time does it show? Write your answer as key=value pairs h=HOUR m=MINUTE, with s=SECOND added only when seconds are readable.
h=12 m=27
